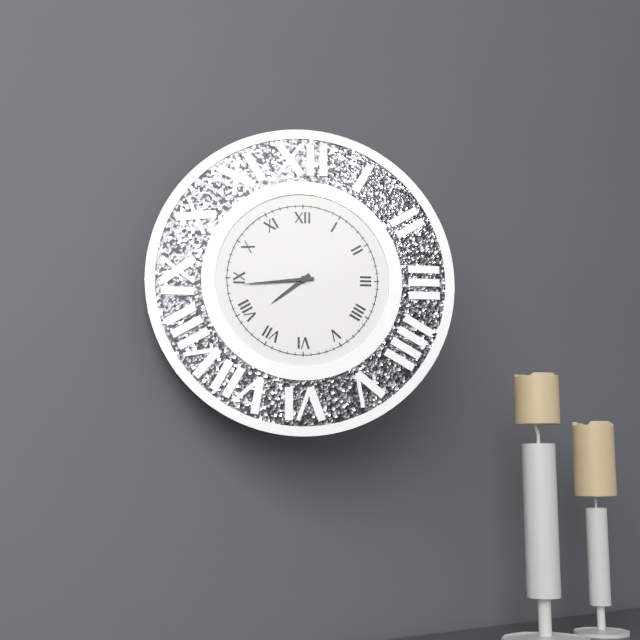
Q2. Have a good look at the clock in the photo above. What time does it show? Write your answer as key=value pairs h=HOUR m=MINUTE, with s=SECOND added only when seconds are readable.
h=7 m=44
